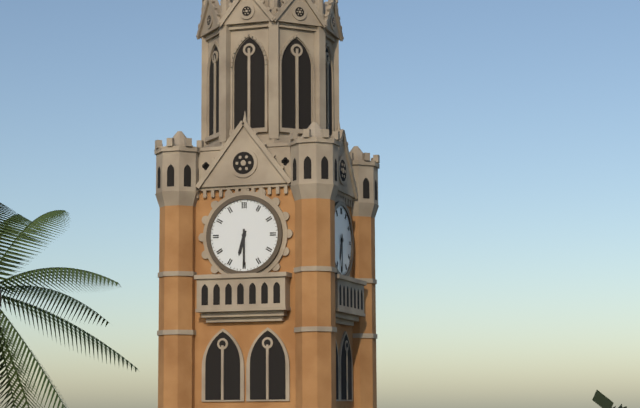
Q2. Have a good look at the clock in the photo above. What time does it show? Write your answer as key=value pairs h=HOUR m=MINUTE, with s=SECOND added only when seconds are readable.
h=6 m=30
